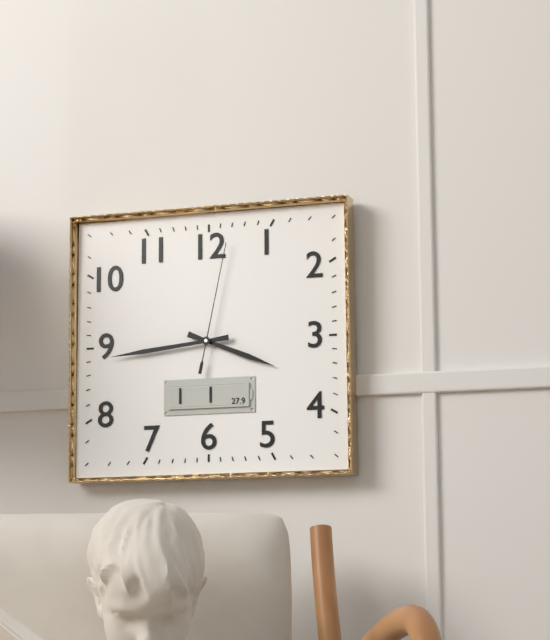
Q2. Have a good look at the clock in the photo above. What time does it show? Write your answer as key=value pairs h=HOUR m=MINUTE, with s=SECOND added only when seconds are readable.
h=3 m=44 s=2
